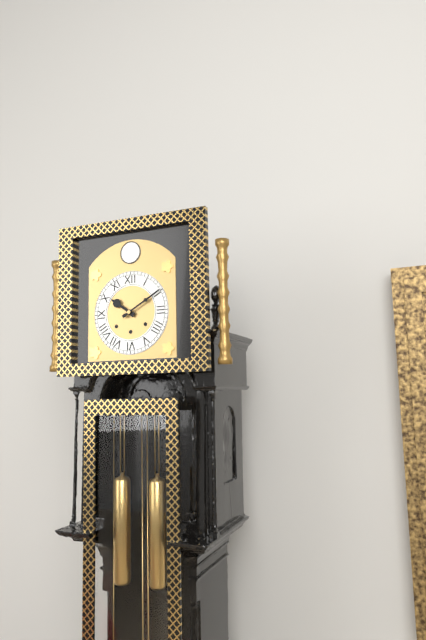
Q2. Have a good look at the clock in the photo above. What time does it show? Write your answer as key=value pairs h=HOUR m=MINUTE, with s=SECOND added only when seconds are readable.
h=10 m=10
